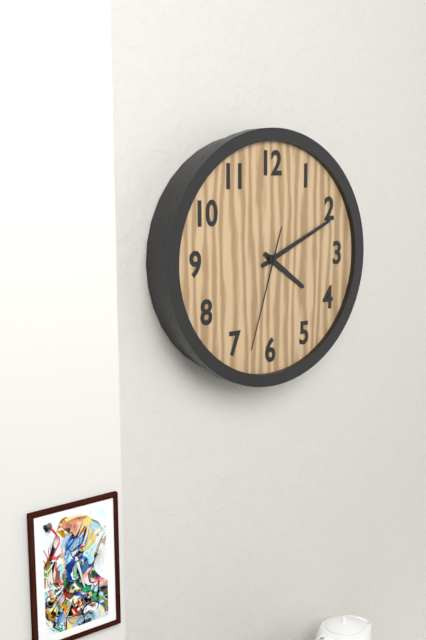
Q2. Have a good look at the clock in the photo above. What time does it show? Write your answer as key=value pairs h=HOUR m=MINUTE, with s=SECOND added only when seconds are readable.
h=4 m=11 s=33
